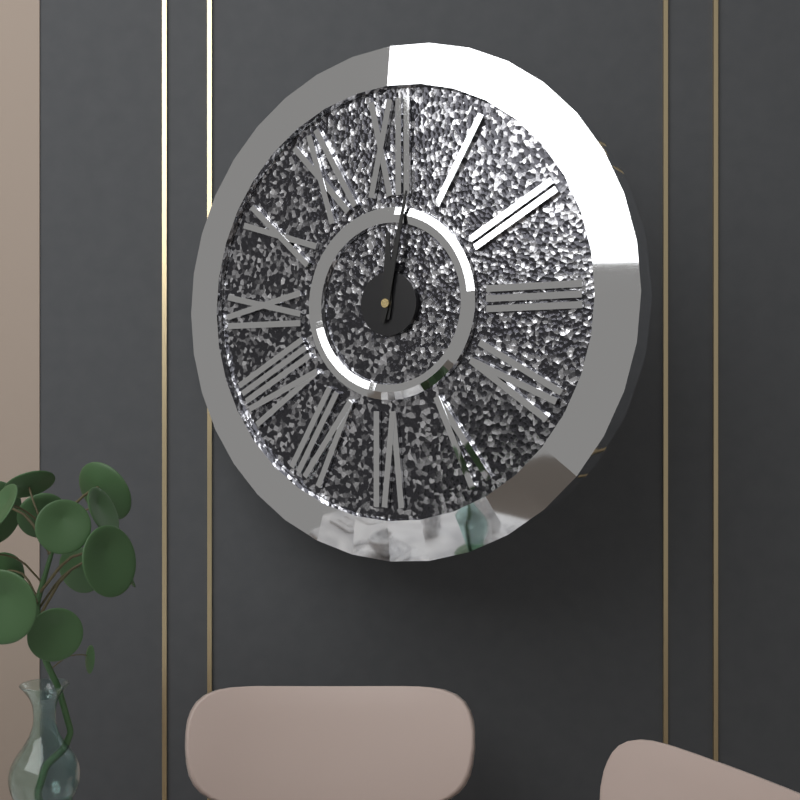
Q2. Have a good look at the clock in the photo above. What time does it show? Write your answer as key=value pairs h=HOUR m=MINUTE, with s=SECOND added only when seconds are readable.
h=12 m=2
